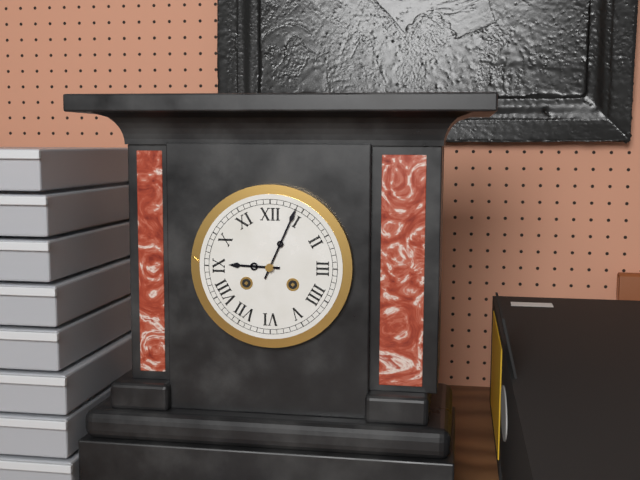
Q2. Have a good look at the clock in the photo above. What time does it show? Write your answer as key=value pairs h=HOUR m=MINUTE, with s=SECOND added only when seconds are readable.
h=9 m=4
